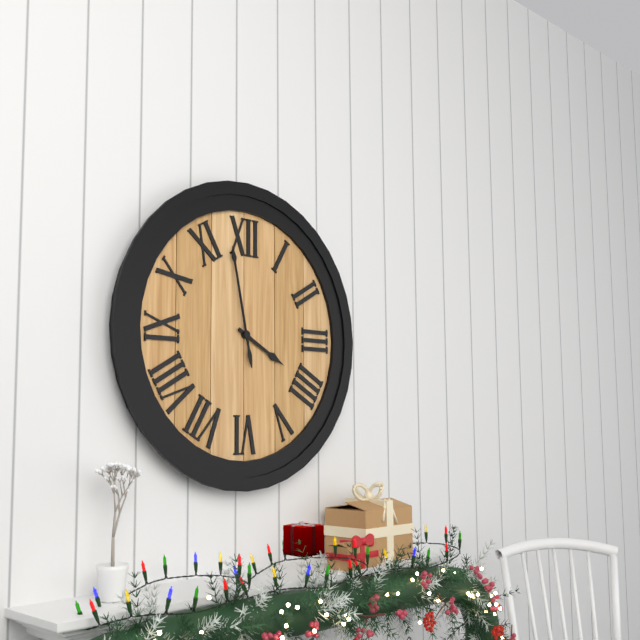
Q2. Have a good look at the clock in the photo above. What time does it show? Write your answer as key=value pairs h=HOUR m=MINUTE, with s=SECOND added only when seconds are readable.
h=3 m=58
